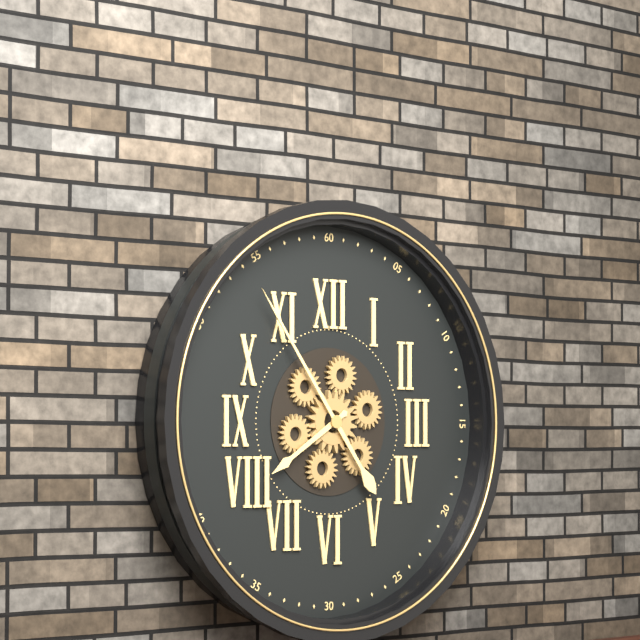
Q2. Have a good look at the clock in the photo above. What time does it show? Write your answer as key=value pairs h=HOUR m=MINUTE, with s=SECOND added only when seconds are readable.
h=7 m=54
